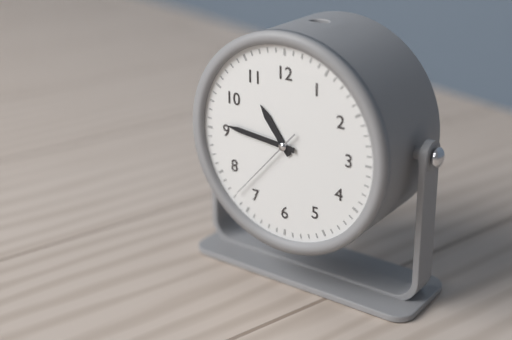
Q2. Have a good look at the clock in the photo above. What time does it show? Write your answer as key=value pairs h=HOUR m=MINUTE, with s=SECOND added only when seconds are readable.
h=10 m=46 s=37
